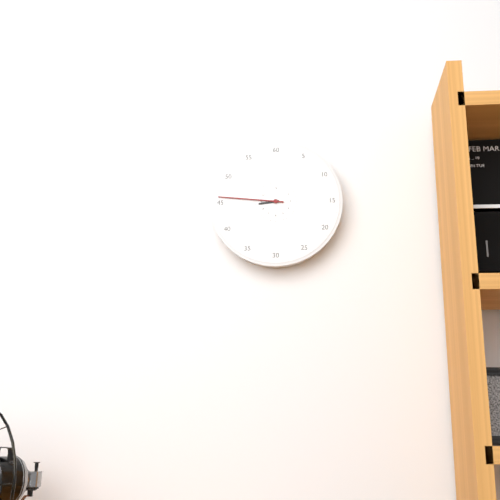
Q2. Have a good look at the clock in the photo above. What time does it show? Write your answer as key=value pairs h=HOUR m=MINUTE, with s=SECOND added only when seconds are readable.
h=8 m=46
